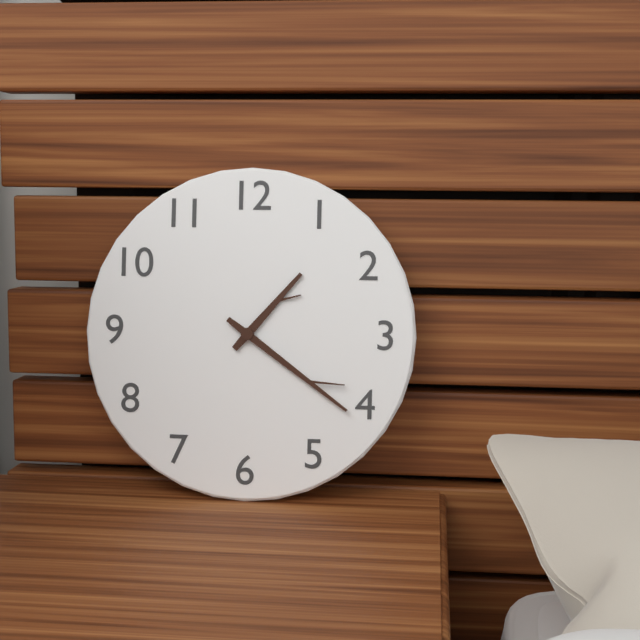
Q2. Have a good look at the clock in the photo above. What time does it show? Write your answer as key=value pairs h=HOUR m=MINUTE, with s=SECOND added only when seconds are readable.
h=1 m=21
